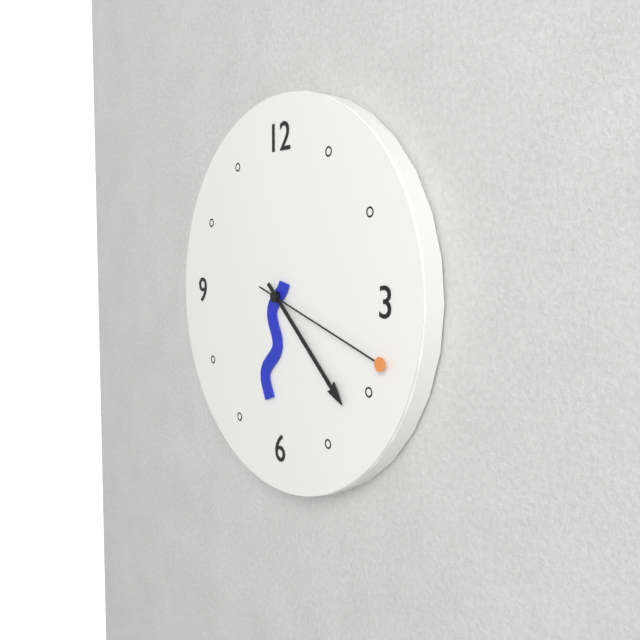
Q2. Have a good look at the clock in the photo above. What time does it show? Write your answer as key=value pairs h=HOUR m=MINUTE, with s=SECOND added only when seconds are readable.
h=6 m=22 s=18
